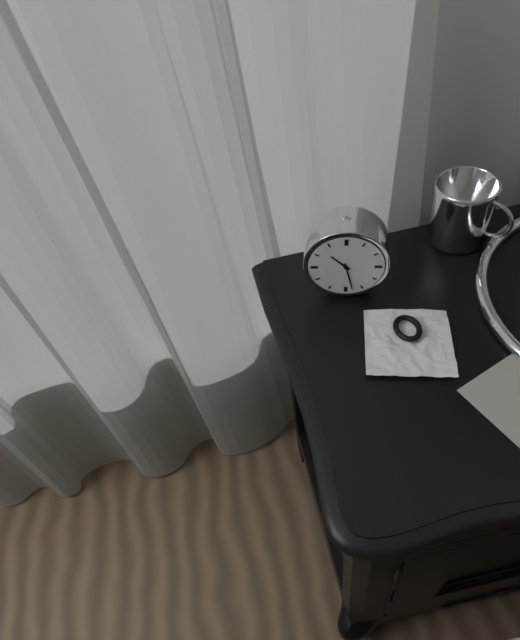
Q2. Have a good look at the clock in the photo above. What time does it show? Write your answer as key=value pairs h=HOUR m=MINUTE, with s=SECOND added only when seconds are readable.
h=10 m=28
